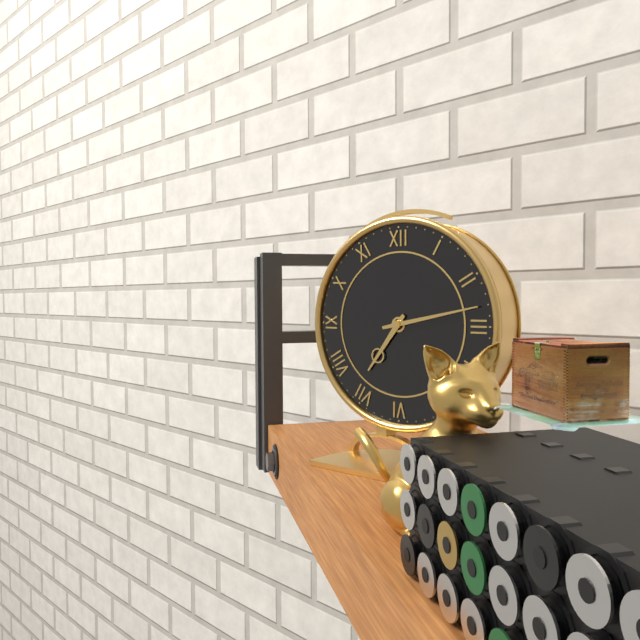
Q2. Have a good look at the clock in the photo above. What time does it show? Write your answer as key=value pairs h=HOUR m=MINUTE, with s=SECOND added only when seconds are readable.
h=7 m=13
